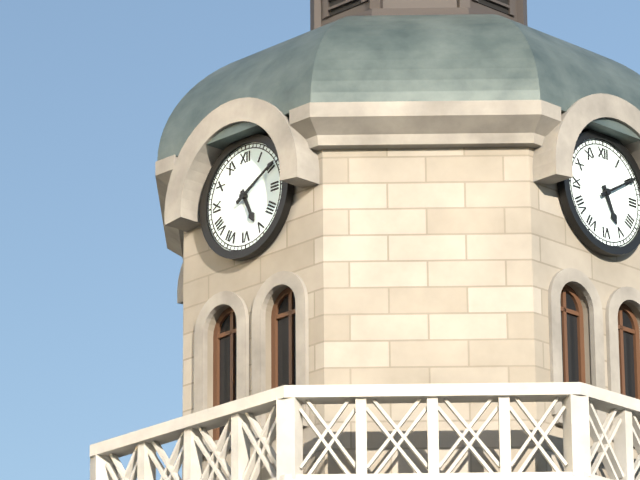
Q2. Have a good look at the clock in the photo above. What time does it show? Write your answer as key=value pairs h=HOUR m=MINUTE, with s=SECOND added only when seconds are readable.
h=5 m=10
